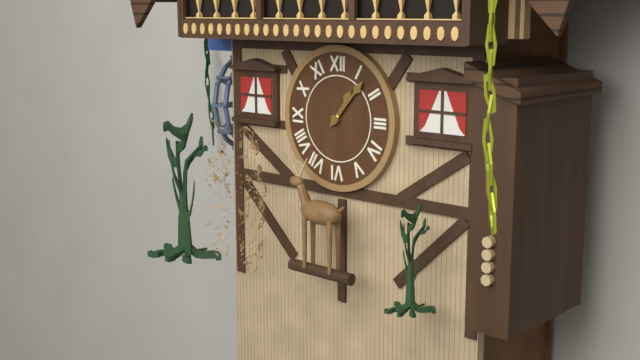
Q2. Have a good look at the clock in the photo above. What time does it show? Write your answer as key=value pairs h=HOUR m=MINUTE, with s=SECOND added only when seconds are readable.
h=1 m=7
